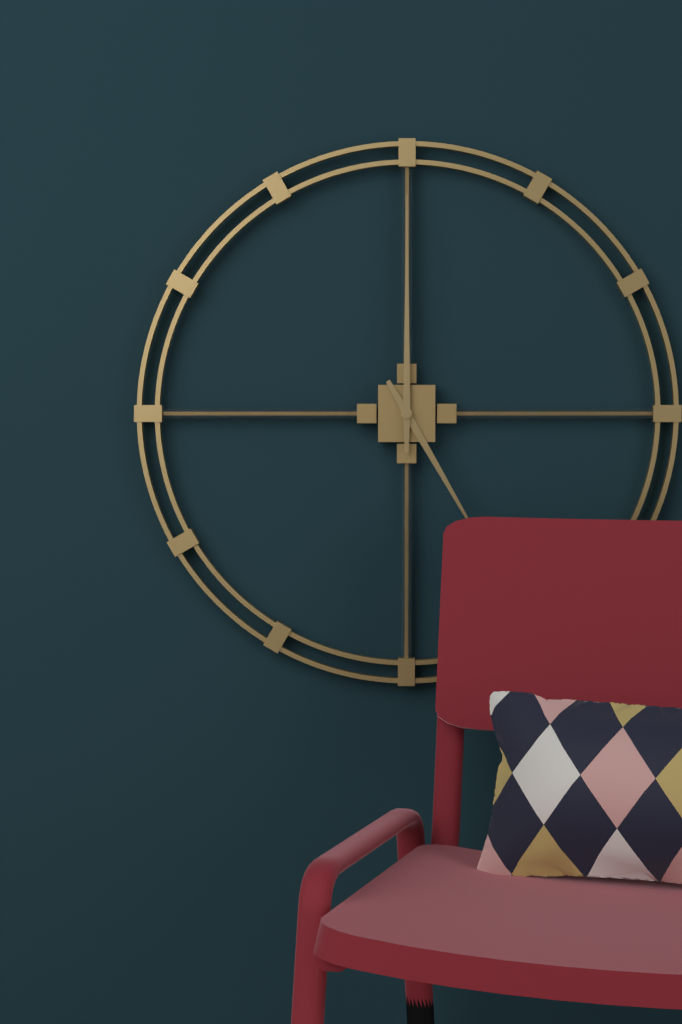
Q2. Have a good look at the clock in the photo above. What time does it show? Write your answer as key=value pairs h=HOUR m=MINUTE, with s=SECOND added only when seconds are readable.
h=5 m=0
